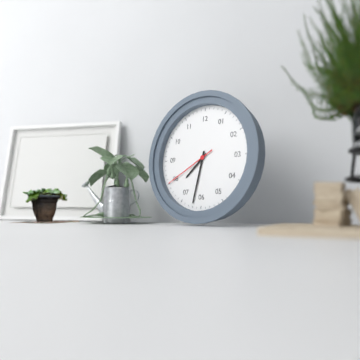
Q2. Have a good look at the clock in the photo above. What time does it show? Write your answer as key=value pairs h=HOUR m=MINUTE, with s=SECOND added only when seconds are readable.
h=7 m=32 s=40
